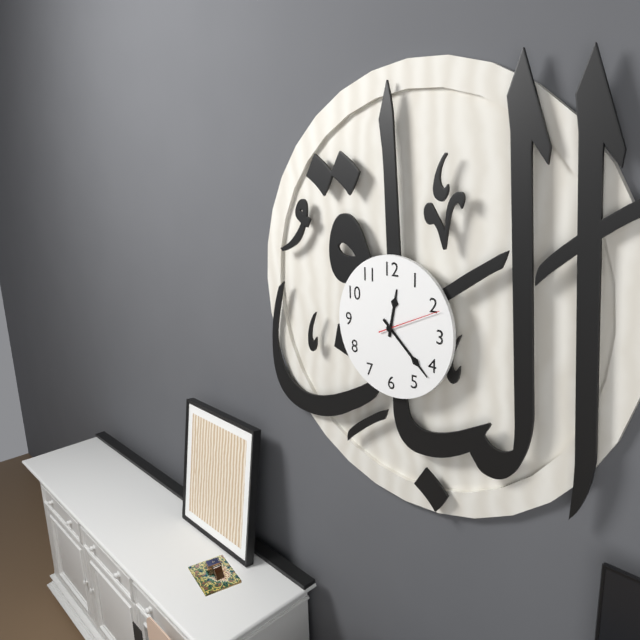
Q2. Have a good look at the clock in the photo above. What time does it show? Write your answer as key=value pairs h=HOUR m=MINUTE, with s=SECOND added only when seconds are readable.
h=12 m=22 s=11
